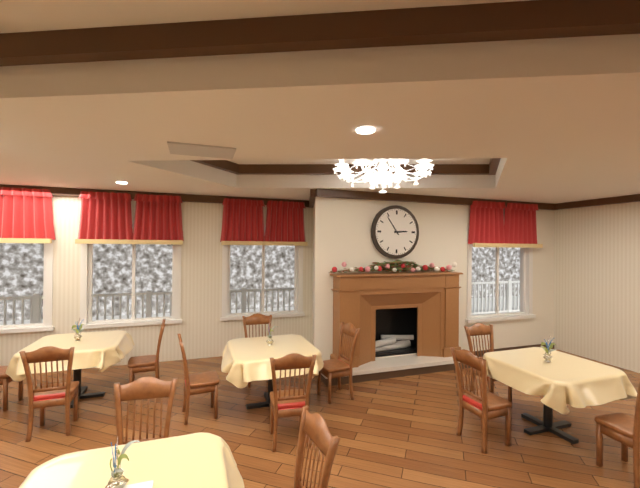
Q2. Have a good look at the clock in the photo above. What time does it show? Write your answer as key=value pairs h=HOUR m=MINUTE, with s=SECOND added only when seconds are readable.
h=2 m=54
